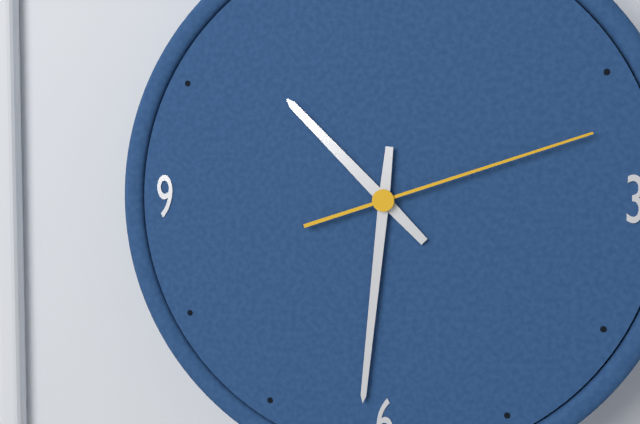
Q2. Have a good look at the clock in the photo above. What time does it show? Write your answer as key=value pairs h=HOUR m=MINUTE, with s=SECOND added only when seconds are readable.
h=10 m=31 s=12
